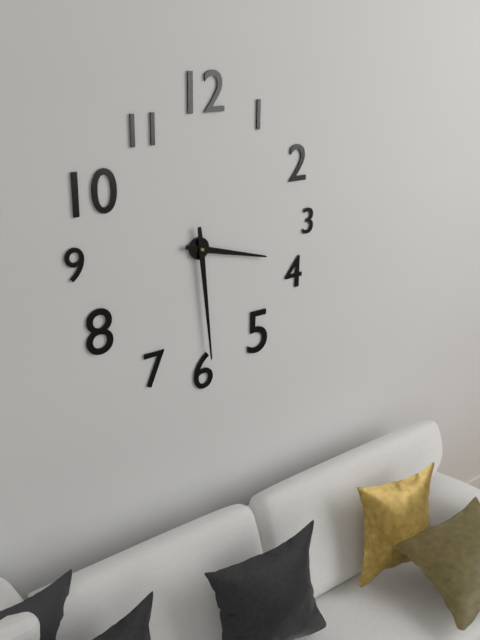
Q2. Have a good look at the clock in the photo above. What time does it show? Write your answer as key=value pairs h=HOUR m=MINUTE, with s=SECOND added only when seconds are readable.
h=3 m=29
